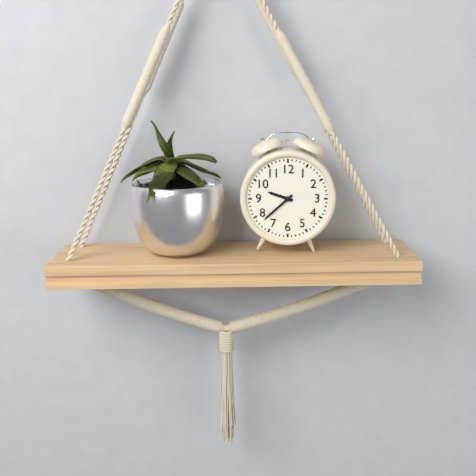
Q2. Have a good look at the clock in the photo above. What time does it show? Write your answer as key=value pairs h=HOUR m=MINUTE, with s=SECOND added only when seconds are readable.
h=9 m=38
